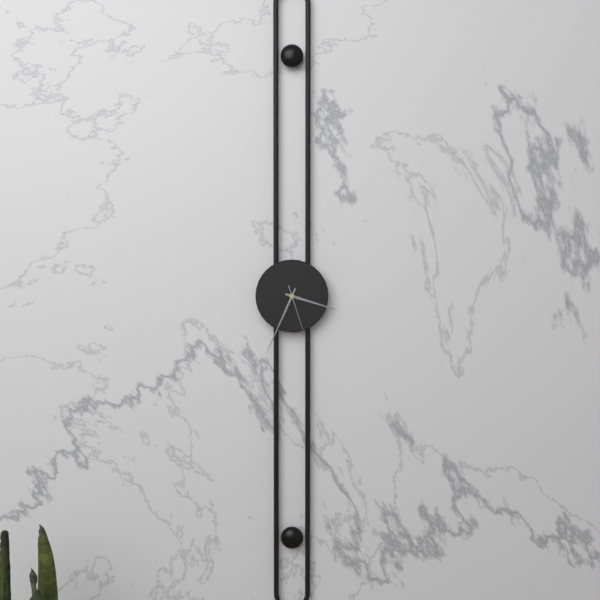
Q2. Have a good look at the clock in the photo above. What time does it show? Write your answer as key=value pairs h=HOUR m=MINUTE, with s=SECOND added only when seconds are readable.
h=3 m=34 s=27
